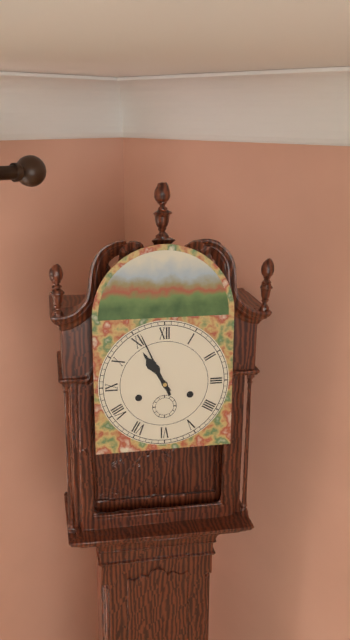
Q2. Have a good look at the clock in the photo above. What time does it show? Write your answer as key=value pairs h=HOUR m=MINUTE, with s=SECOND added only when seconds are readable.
h=10 m=56
